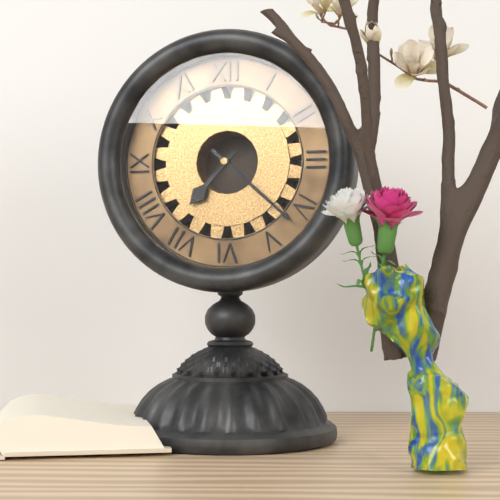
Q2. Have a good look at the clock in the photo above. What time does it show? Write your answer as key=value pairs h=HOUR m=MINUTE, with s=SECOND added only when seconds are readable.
h=7 m=22
